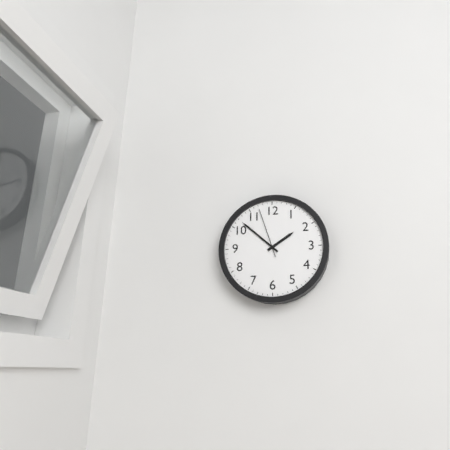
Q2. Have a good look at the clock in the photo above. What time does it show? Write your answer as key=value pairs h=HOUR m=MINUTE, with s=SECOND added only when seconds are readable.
h=1 m=52 s=57
